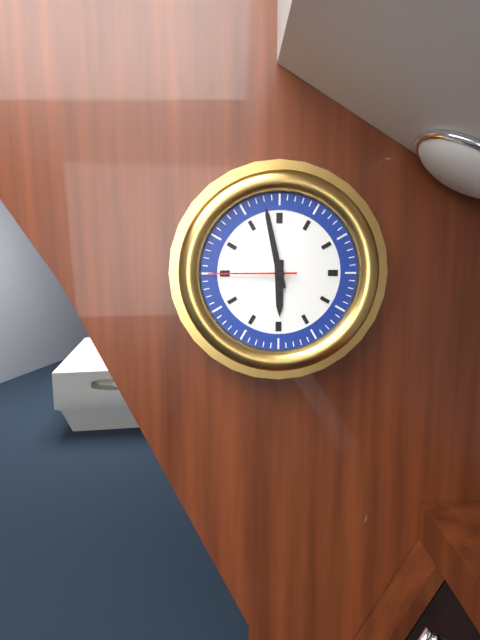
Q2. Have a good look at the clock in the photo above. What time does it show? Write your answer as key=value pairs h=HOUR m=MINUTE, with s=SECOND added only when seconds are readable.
h=5 m=58 s=45
